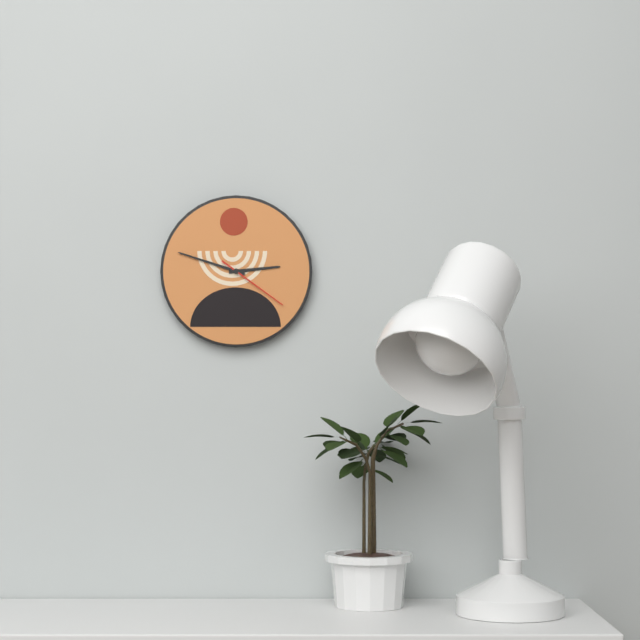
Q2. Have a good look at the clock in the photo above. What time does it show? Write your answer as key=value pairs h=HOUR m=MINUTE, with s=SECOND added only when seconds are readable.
h=2 m=48 s=21
